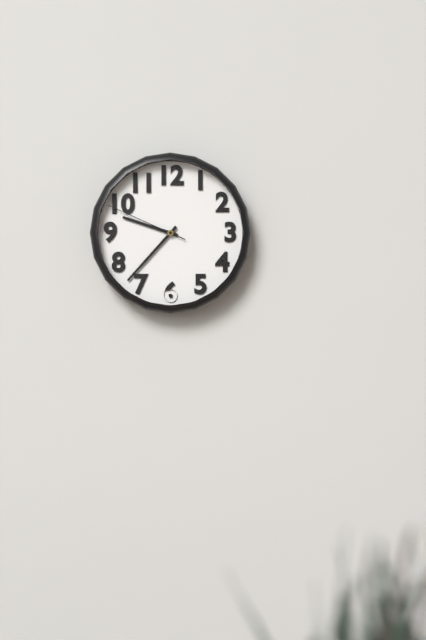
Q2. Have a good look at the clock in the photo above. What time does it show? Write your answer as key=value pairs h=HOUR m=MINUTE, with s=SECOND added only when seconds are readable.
h=9 m=37 s=49
